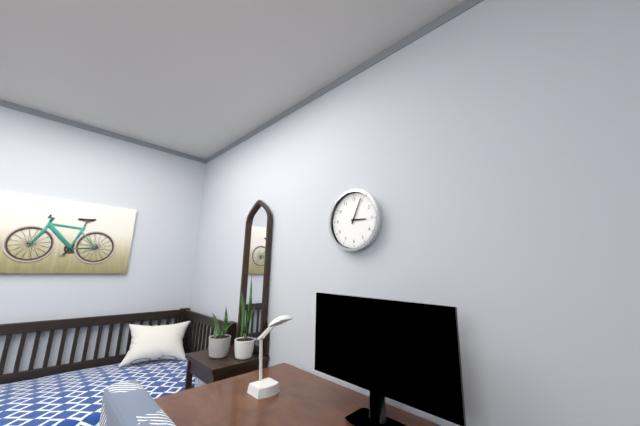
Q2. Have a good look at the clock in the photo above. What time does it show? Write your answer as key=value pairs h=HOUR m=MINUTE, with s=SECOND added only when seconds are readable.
h=3 m=4
